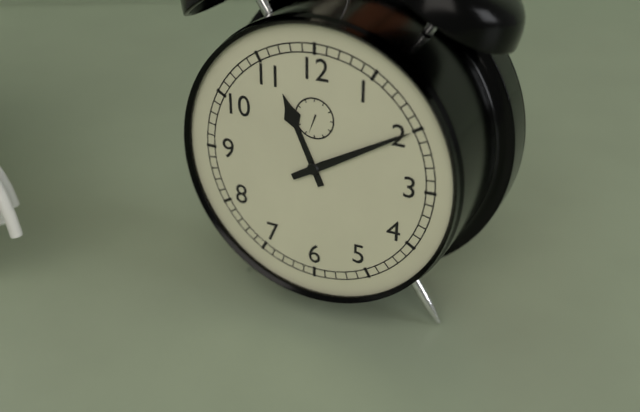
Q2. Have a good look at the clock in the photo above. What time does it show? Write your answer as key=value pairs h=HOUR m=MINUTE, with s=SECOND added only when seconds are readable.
h=11 m=10
